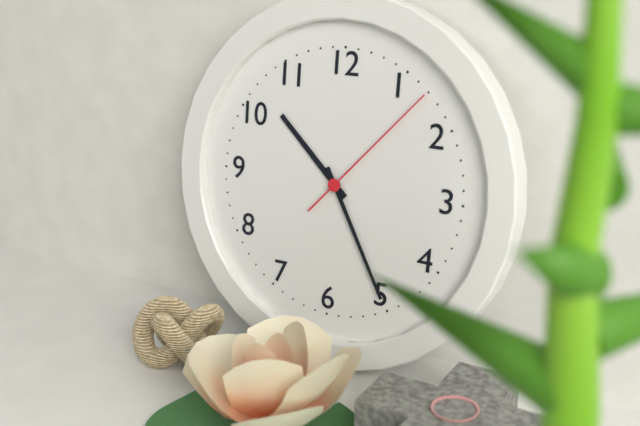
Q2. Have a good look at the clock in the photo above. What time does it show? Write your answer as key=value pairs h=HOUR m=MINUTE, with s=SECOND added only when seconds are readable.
h=10 m=25 s=7
